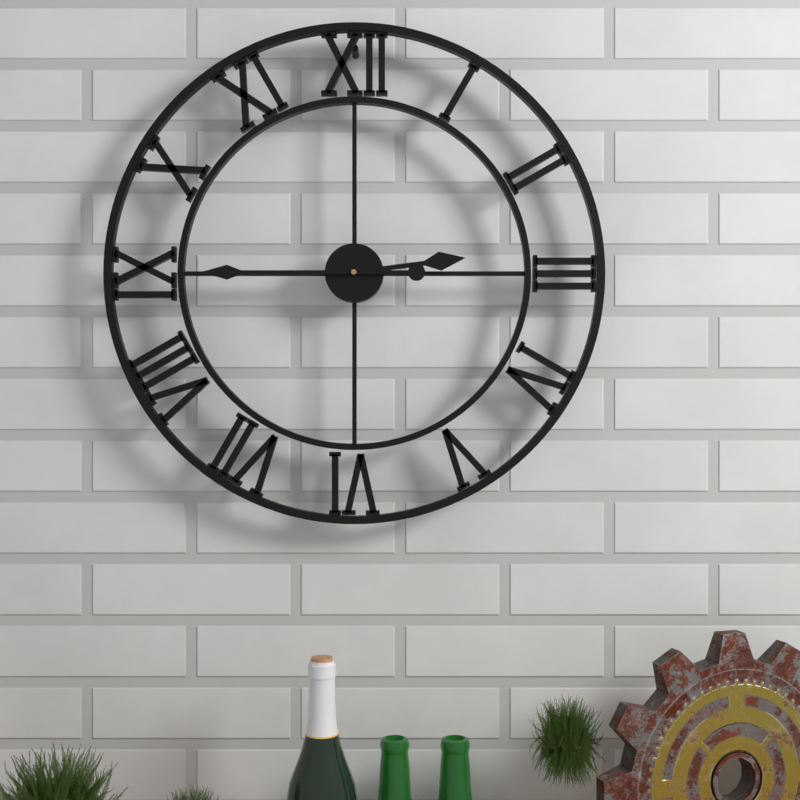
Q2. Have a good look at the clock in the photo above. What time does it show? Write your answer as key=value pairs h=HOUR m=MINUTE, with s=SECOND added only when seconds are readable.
h=2 m=45
